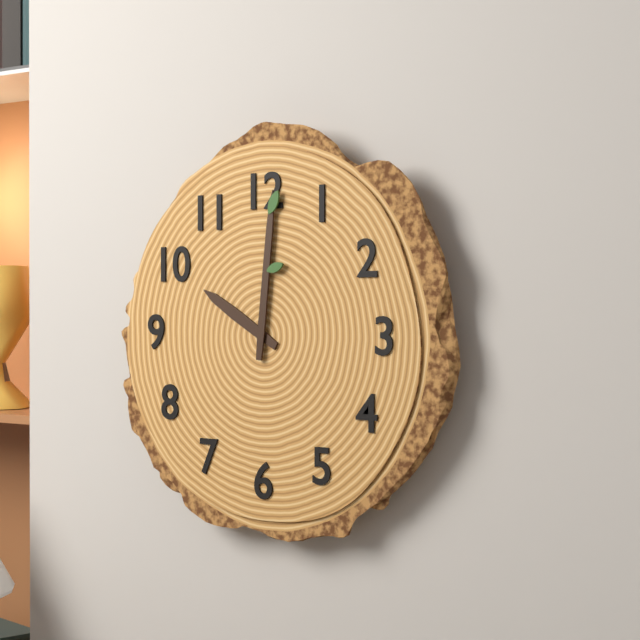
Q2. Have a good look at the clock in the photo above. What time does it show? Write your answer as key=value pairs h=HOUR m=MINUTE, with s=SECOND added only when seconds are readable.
h=10 m=1
